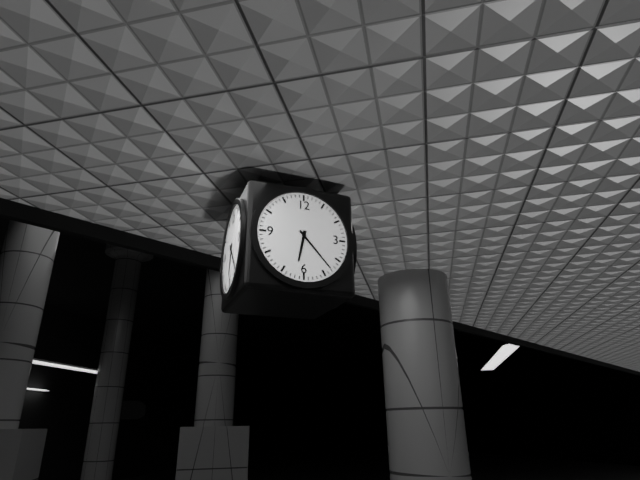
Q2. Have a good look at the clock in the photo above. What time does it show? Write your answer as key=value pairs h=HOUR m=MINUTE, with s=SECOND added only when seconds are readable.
h=6 m=23
